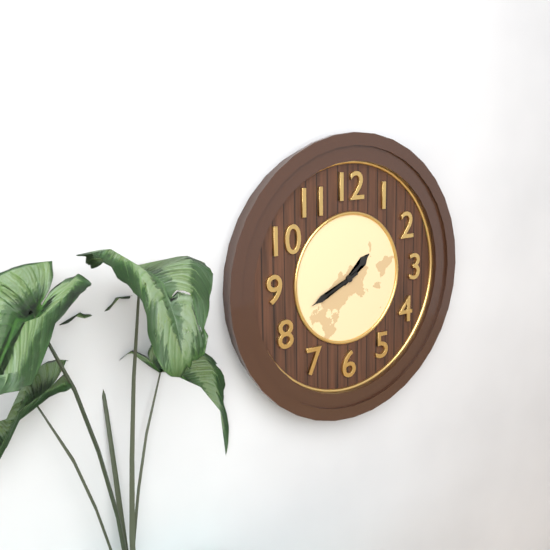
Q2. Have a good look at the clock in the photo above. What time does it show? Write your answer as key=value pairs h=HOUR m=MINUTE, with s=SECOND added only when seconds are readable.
h=1 m=41
